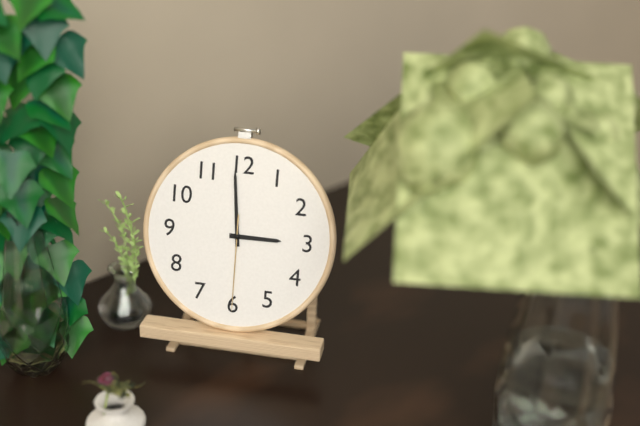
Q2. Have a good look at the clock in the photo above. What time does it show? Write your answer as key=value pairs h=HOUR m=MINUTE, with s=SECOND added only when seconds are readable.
h=2 m=59 s=30
